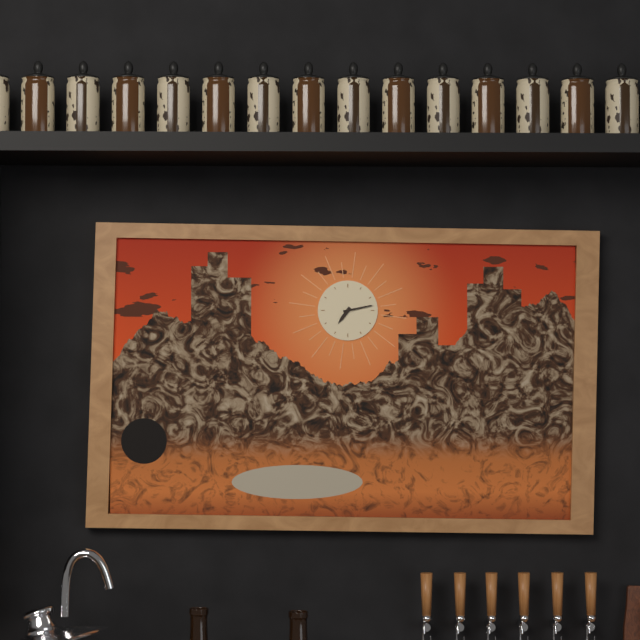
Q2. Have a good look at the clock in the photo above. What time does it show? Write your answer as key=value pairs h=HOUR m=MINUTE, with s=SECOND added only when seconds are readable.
h=7 m=13
